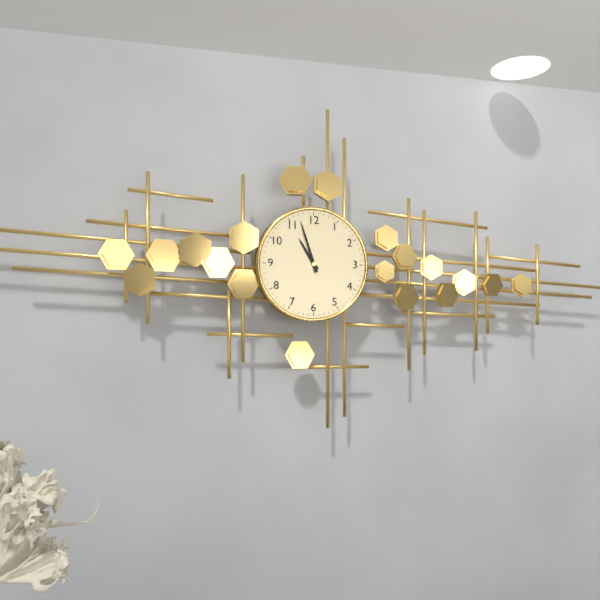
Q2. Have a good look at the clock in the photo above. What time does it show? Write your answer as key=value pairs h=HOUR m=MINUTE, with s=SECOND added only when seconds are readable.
h=10 m=57
